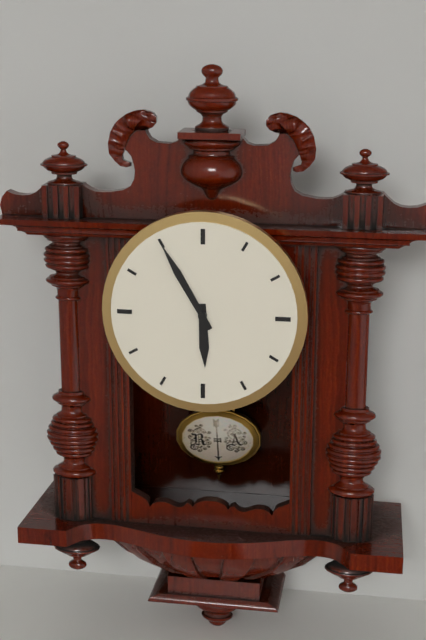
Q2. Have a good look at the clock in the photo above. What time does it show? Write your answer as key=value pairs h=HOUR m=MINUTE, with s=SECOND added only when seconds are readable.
h=5 m=55
